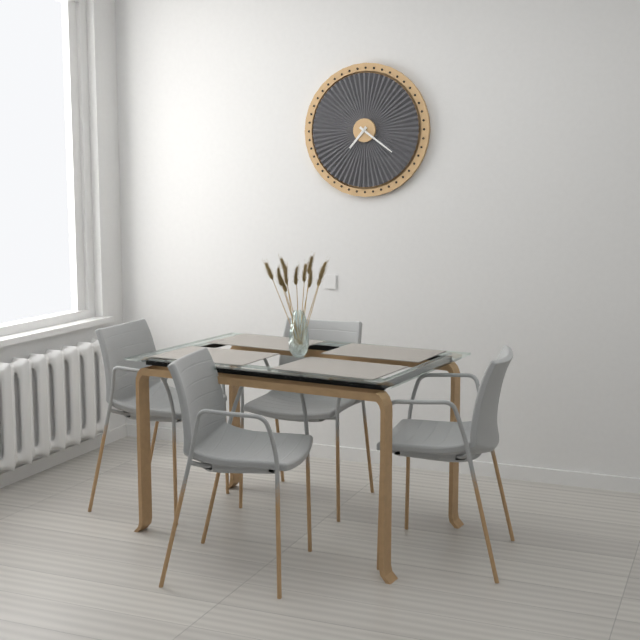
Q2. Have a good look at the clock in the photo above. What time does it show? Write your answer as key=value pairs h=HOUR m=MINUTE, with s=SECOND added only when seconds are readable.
h=7 m=21
